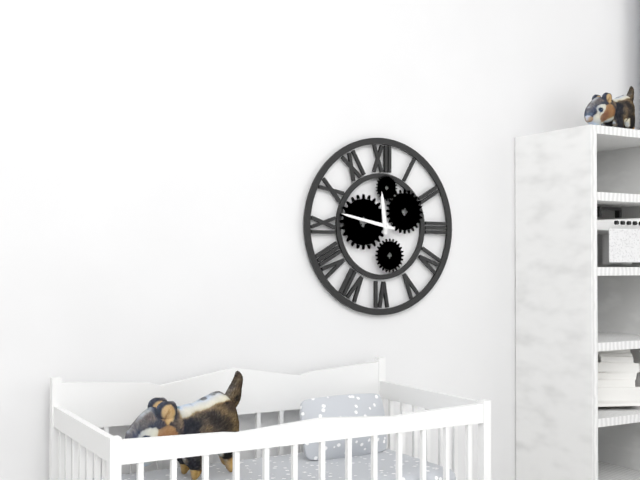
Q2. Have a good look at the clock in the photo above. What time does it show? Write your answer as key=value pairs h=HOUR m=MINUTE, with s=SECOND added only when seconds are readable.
h=11 m=47
